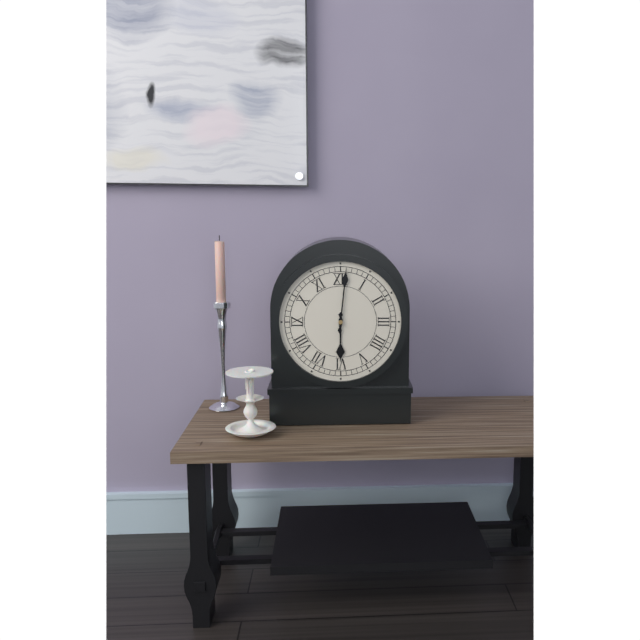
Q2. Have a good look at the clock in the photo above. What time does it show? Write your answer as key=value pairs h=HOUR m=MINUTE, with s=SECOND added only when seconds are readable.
h=6 m=1
